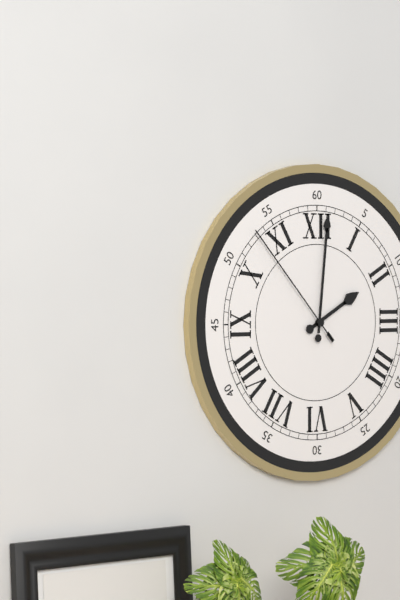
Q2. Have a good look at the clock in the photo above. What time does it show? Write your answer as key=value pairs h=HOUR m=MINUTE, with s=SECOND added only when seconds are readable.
h=2 m=1 s=53
